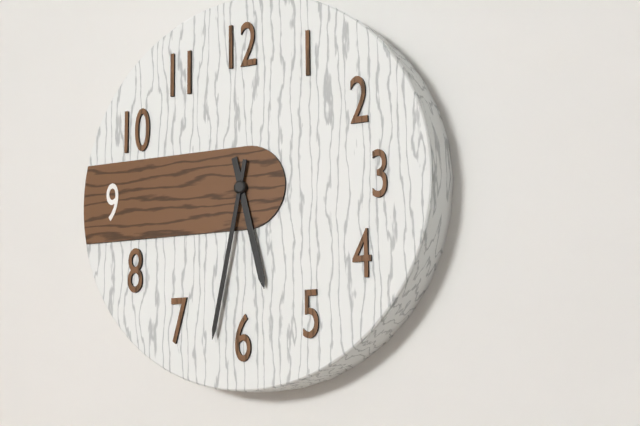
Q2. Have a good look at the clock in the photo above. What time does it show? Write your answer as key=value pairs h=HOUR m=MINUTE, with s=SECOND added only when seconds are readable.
h=5 m=32
